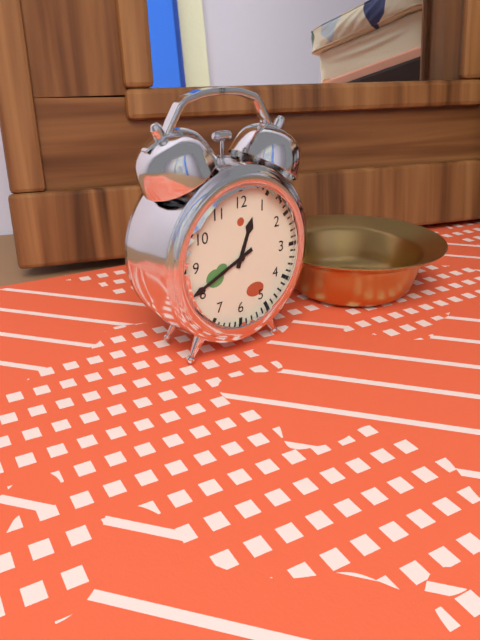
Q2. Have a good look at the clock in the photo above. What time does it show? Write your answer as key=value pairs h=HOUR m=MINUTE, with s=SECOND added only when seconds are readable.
h=12 m=41
